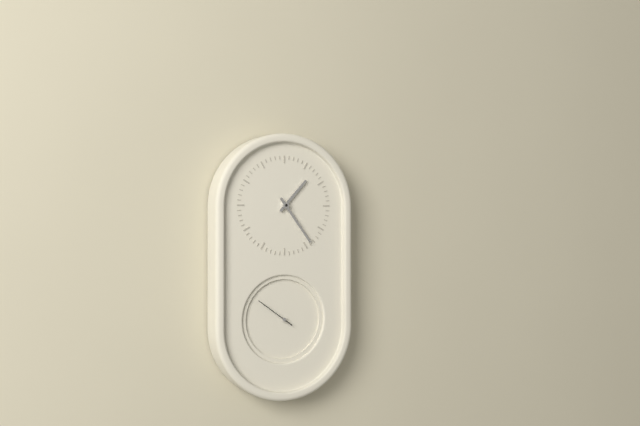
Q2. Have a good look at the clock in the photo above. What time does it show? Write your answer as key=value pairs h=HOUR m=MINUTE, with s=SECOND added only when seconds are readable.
h=1 m=24
